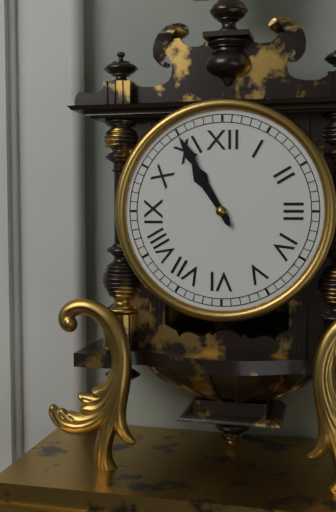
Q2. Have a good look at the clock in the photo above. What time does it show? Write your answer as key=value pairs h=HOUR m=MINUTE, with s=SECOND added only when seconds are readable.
h=10 m=55
